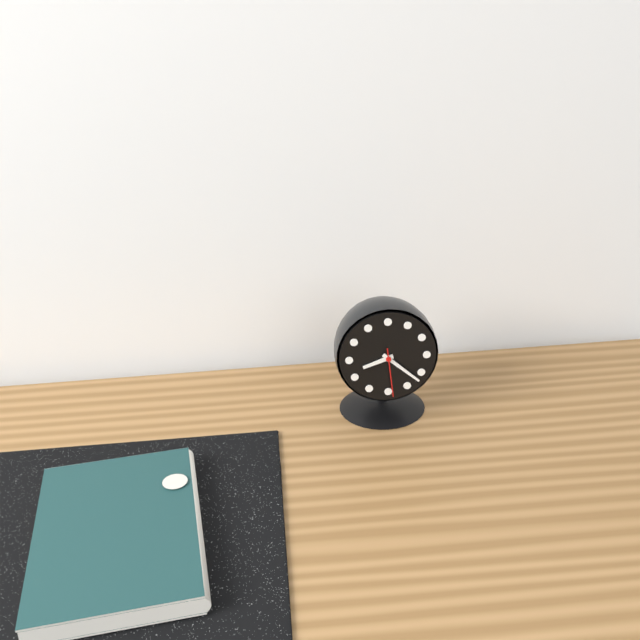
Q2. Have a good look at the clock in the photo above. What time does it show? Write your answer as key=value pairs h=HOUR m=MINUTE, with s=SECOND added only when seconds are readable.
h=8 m=22
